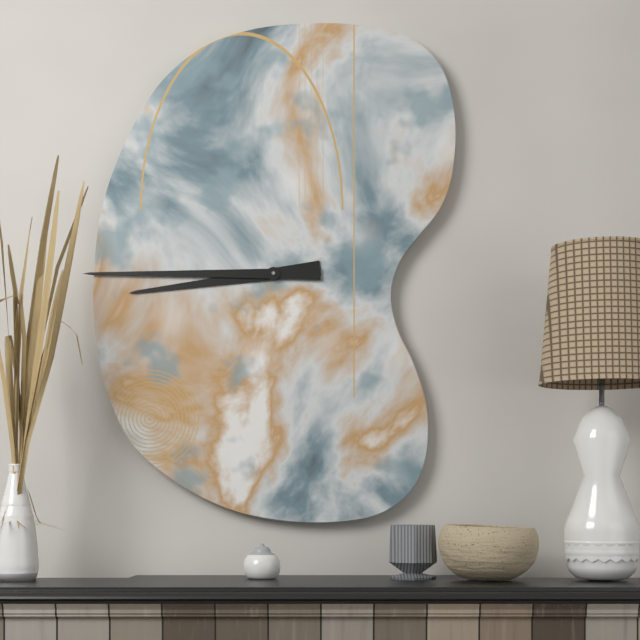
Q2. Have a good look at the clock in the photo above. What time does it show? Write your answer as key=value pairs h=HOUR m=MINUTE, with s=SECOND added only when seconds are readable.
h=8 m=45
